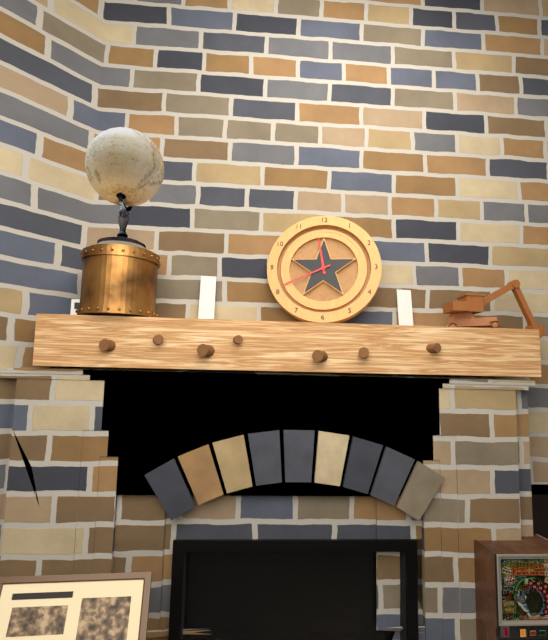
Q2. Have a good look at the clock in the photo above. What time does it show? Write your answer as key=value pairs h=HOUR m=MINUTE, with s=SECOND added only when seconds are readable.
h=11 m=41
